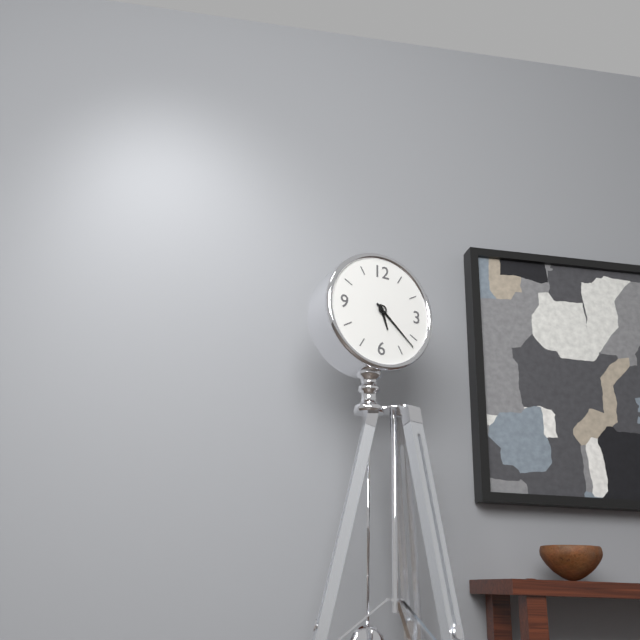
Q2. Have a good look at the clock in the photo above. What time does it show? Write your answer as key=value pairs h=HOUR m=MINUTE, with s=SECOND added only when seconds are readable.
h=5 m=22
